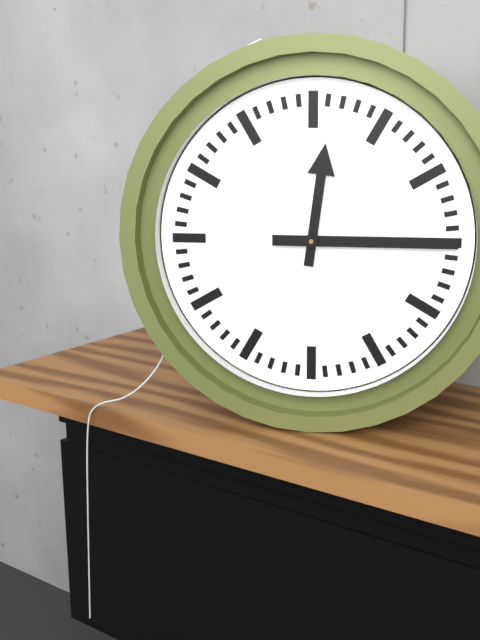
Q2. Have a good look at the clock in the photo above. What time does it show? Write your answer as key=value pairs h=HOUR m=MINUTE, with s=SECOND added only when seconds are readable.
h=12 m=15
